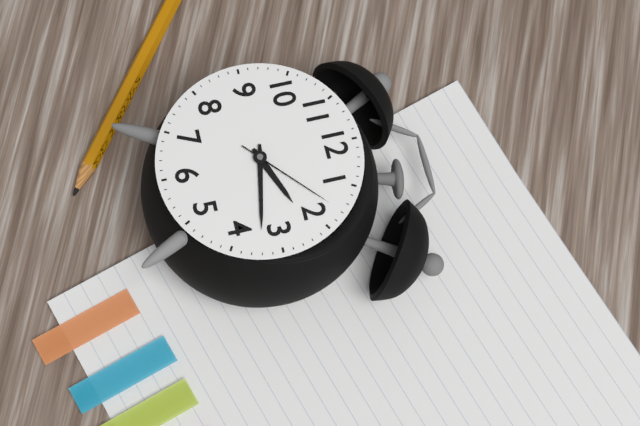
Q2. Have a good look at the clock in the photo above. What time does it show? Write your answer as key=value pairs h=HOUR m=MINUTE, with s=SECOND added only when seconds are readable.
h=2 m=17 s=8
